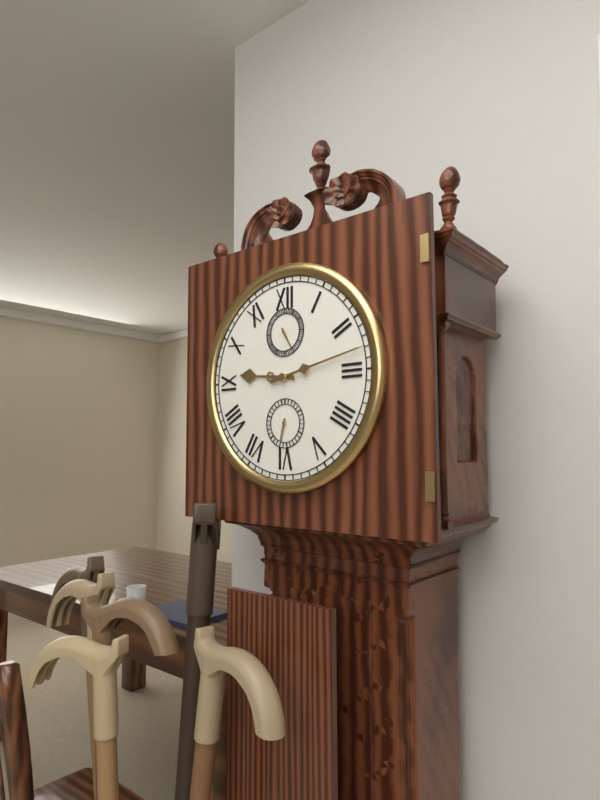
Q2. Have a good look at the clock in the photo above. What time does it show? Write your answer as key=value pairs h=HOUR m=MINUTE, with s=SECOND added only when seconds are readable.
h=9 m=13
